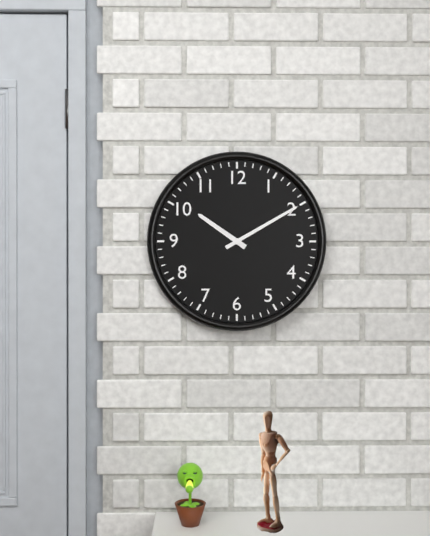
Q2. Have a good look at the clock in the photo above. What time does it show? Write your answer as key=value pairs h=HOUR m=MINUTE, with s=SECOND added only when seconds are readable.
h=10 m=10
